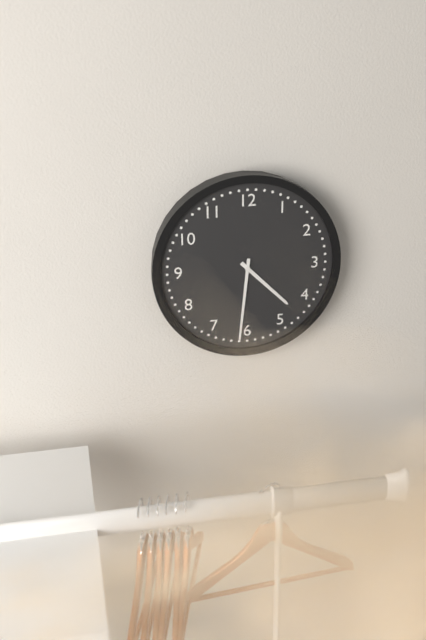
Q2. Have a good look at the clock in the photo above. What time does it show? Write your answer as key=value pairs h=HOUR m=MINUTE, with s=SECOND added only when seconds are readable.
h=4 m=31
